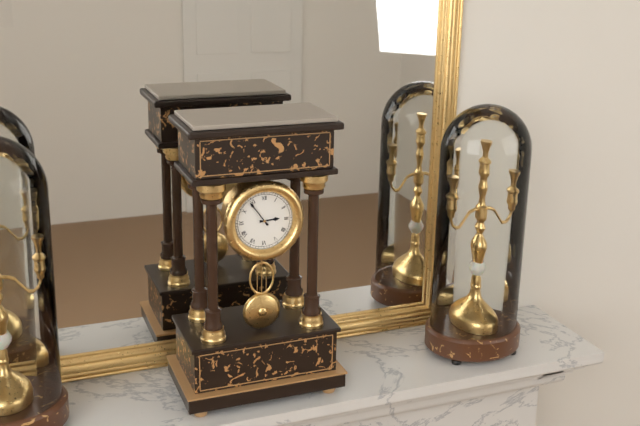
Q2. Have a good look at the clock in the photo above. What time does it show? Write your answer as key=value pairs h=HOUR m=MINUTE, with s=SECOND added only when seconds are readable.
h=2 m=54
